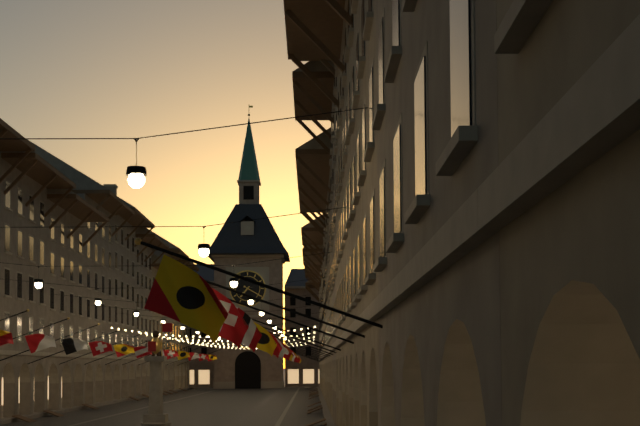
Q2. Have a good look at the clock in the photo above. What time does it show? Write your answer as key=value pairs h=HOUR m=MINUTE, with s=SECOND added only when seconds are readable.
h=7 m=20
